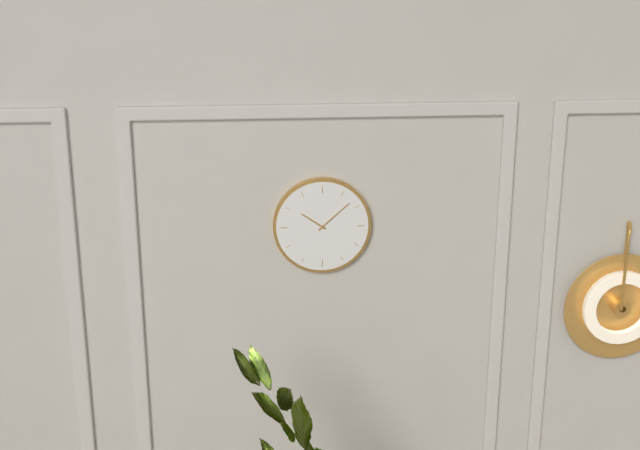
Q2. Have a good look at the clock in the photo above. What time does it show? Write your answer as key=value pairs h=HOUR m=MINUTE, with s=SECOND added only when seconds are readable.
h=10 m=8
